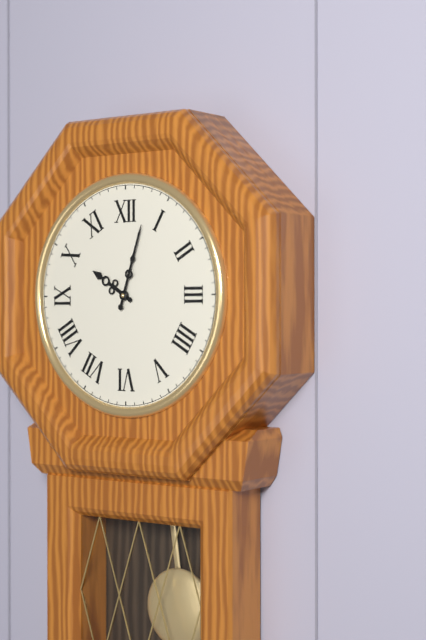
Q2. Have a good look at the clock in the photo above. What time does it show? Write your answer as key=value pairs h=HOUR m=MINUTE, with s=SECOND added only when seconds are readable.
h=10 m=3
